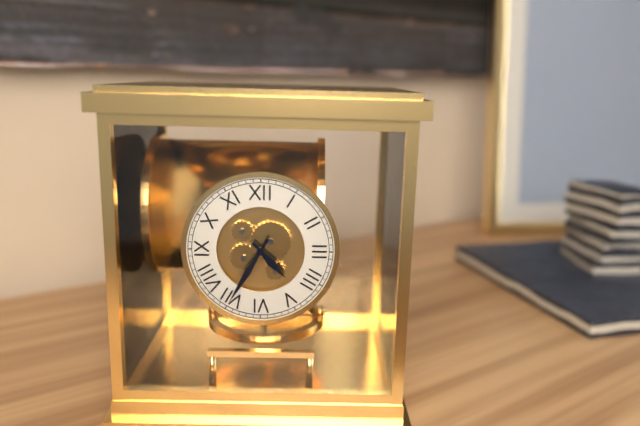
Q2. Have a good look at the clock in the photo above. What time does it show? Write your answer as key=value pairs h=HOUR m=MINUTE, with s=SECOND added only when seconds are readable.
h=4 m=35
